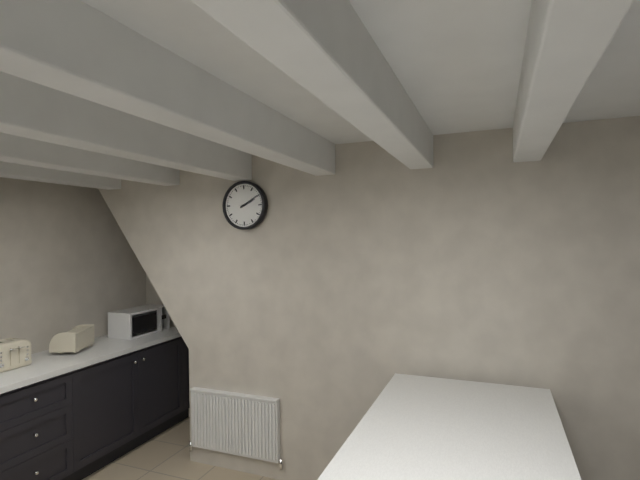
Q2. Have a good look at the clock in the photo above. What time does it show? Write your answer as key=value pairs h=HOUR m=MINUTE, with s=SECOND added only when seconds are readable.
h=2 m=10
